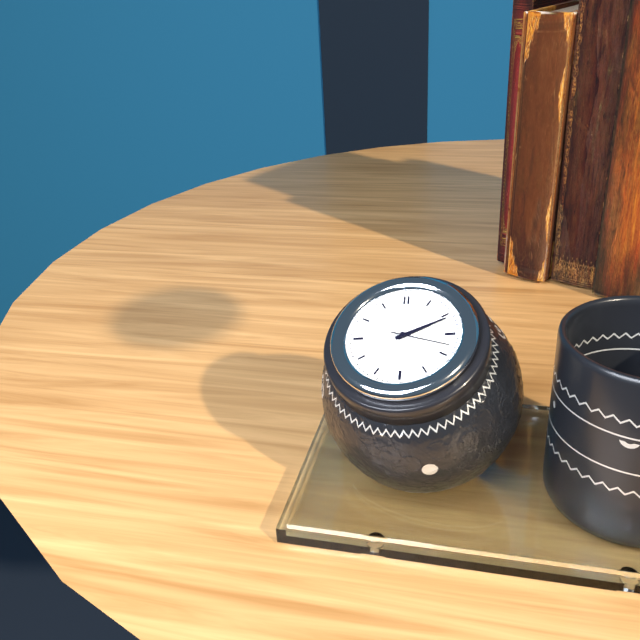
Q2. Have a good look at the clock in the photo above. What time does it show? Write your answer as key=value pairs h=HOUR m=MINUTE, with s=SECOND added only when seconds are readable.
h=2 m=11 s=18
